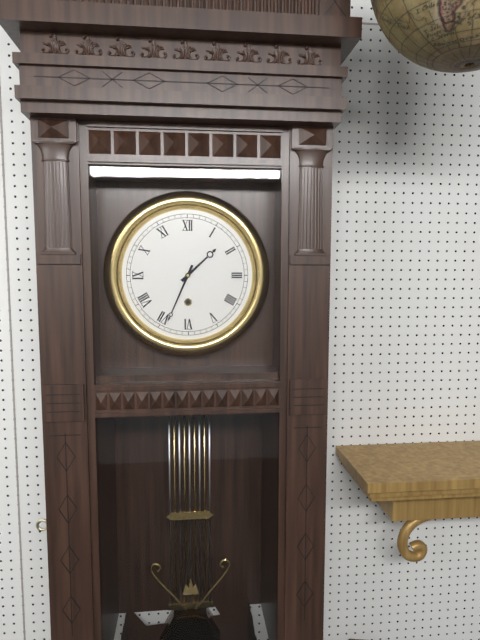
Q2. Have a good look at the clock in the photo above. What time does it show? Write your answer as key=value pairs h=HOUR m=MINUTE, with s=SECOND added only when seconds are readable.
h=1 m=34
